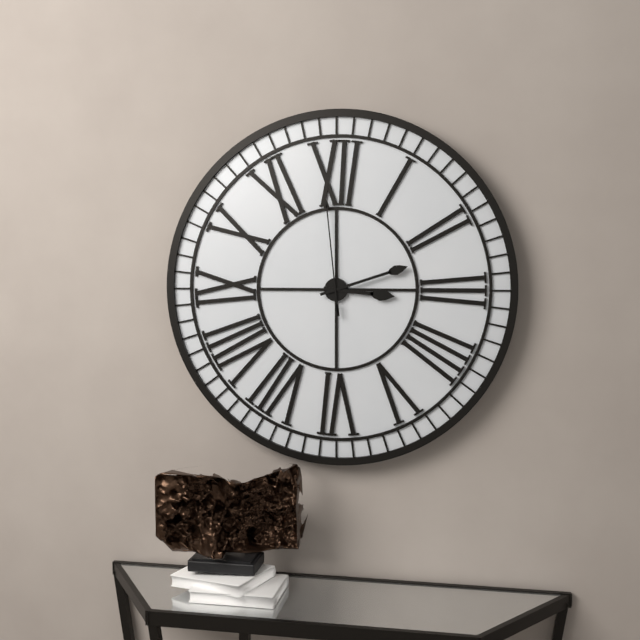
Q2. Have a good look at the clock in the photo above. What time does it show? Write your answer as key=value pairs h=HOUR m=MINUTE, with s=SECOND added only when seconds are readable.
h=3 m=12 s=59
